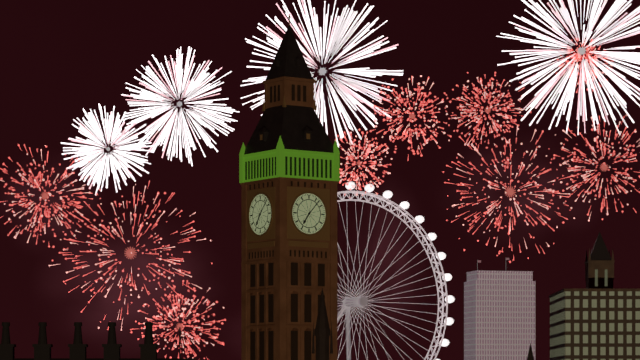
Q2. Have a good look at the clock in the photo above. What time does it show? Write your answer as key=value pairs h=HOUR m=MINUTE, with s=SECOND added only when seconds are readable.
h=7 m=7
